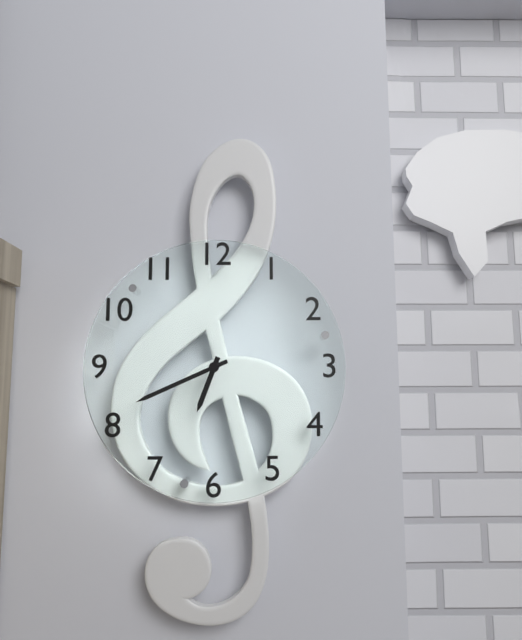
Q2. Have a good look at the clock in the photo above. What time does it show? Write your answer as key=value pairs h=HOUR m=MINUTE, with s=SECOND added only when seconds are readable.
h=6 m=41
